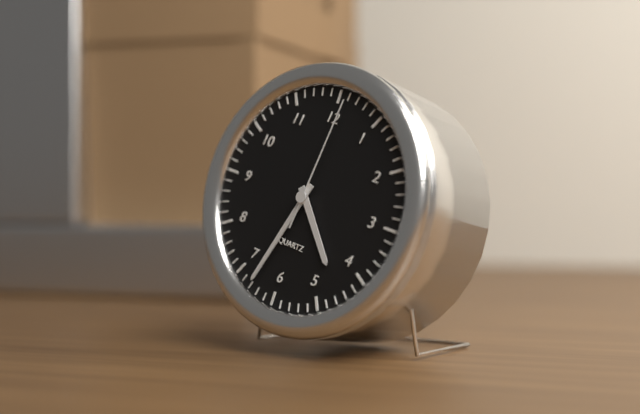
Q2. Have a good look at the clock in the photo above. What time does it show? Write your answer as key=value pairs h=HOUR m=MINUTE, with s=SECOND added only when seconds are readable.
h=4 m=33 s=1
